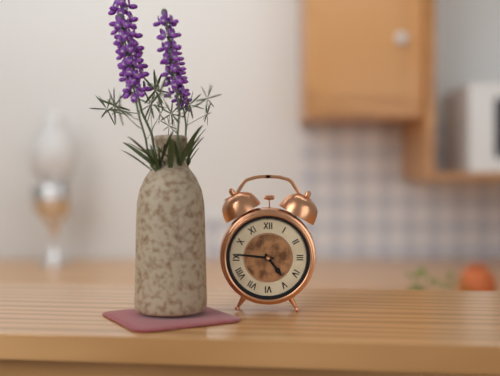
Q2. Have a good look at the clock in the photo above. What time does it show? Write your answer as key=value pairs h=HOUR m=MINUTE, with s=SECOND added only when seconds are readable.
h=4 m=46
